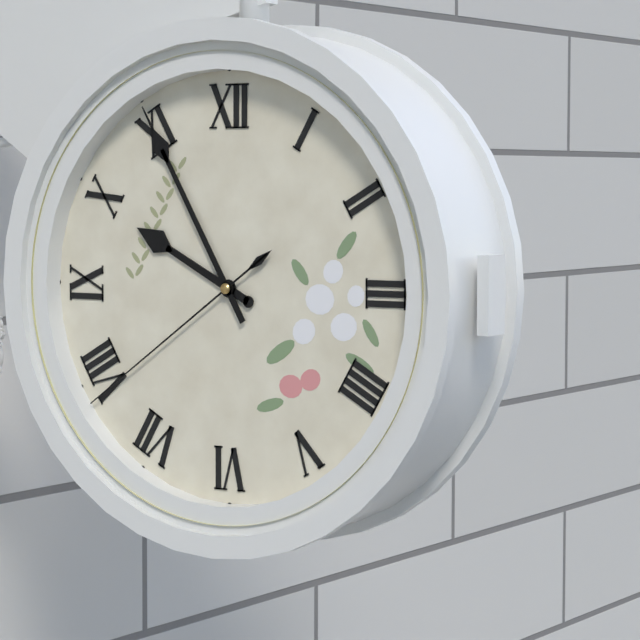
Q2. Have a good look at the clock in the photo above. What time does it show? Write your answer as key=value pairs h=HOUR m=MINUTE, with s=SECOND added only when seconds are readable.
h=9 m=55 s=39
